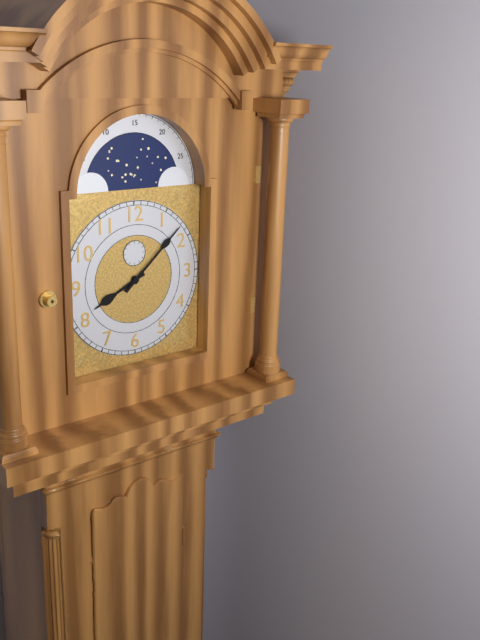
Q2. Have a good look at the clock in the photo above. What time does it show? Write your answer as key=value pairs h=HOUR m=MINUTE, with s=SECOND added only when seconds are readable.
h=8 m=8
